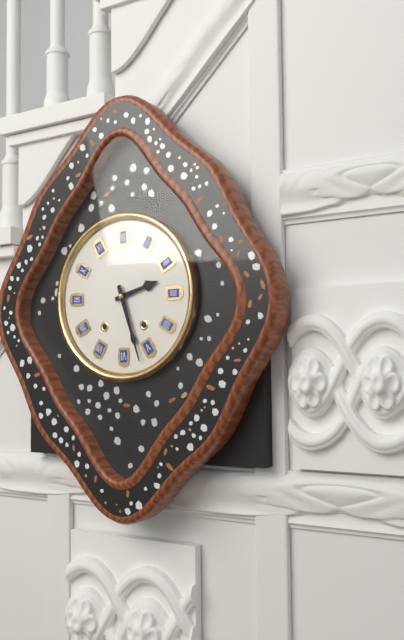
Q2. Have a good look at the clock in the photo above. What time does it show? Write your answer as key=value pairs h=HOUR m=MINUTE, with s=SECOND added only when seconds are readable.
h=2 m=27
